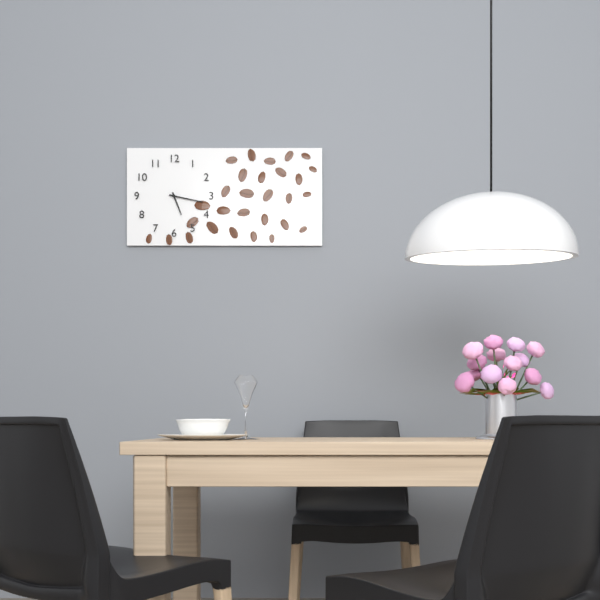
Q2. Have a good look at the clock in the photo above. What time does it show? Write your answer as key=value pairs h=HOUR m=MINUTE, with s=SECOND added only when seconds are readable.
h=5 m=17
